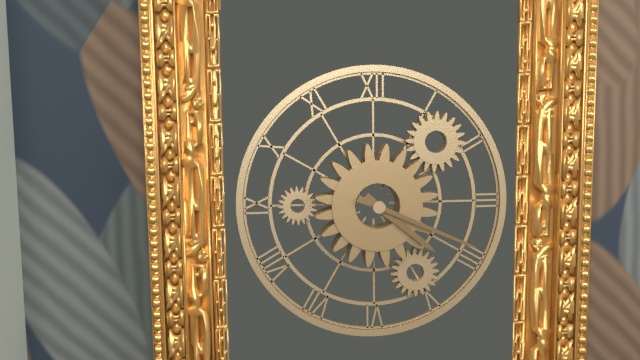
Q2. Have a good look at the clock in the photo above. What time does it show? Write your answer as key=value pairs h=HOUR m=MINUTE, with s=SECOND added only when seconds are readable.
h=4 m=19
